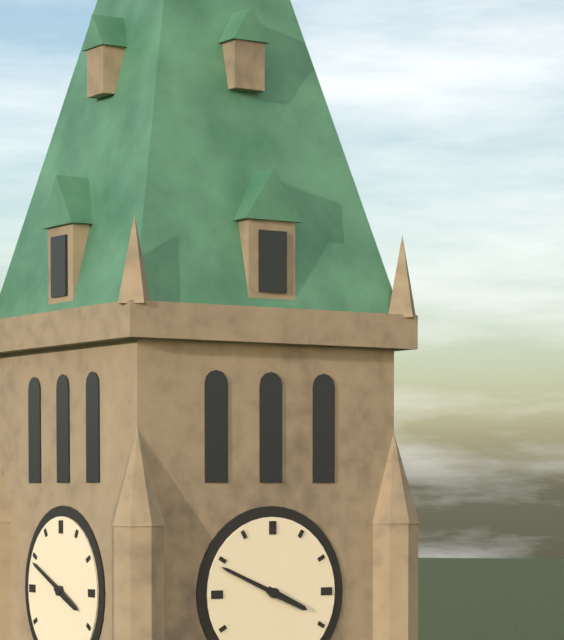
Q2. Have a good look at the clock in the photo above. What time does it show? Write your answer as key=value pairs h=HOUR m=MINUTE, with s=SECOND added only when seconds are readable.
h=3 m=49
